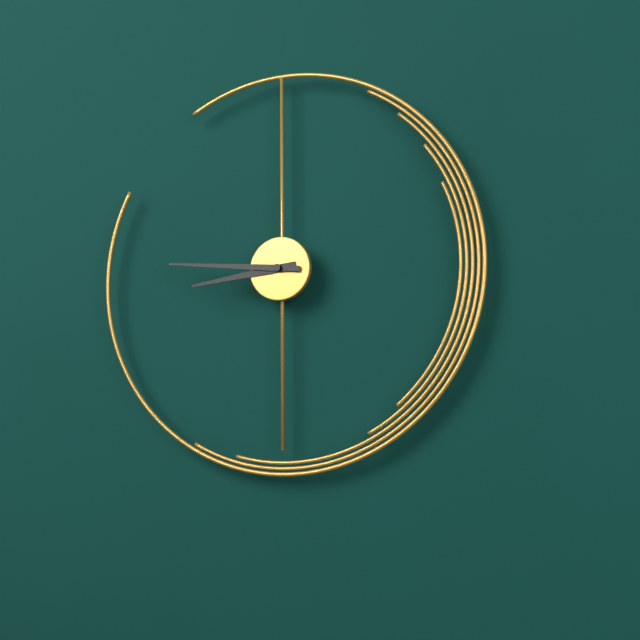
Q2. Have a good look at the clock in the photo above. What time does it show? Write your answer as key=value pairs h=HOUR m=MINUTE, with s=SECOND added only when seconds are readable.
h=8 m=46
